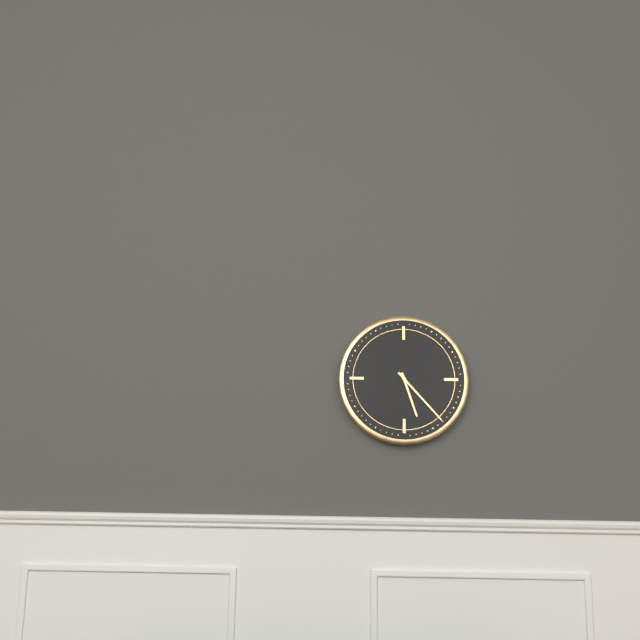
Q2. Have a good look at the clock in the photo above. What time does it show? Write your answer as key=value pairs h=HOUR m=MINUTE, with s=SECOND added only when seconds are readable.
h=5 m=23
